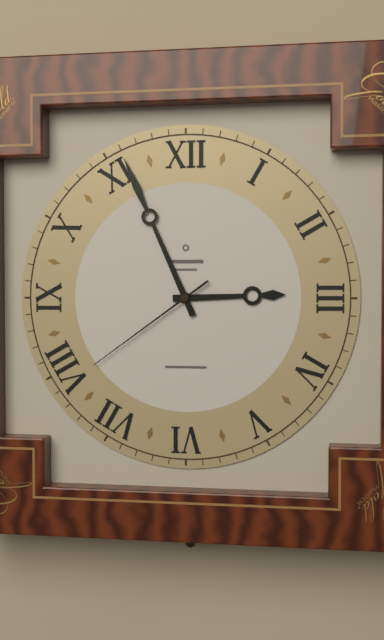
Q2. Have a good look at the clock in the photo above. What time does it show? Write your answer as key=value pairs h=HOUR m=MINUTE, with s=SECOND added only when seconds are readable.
h=2 m=56 s=39
